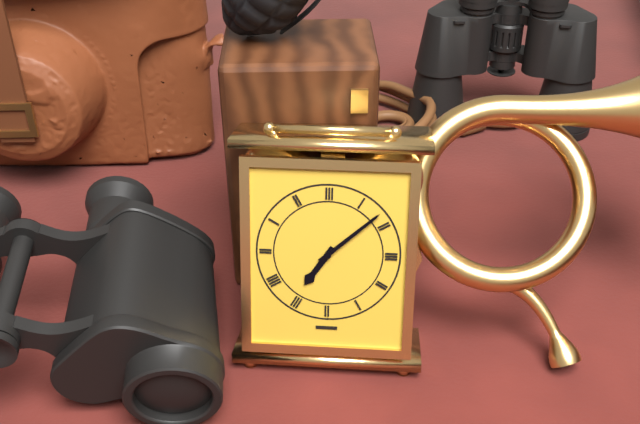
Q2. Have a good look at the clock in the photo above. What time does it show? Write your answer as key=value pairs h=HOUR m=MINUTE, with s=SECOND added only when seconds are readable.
h=7 m=8
